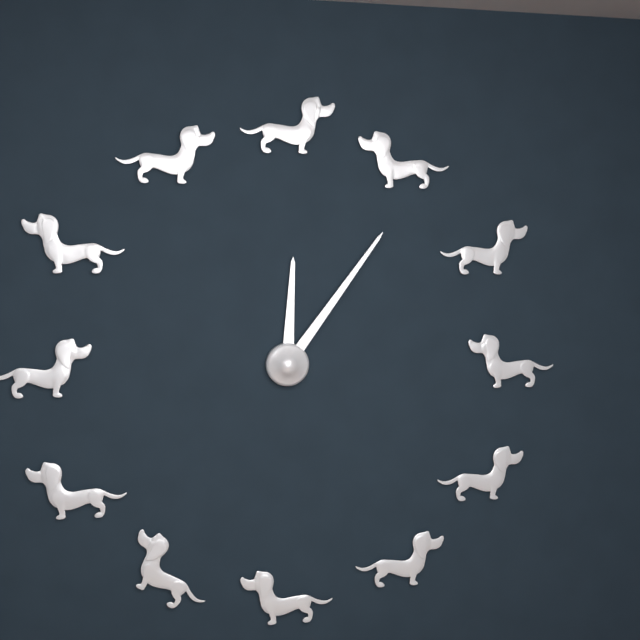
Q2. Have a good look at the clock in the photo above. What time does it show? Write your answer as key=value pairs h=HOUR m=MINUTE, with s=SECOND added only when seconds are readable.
h=12 m=6
